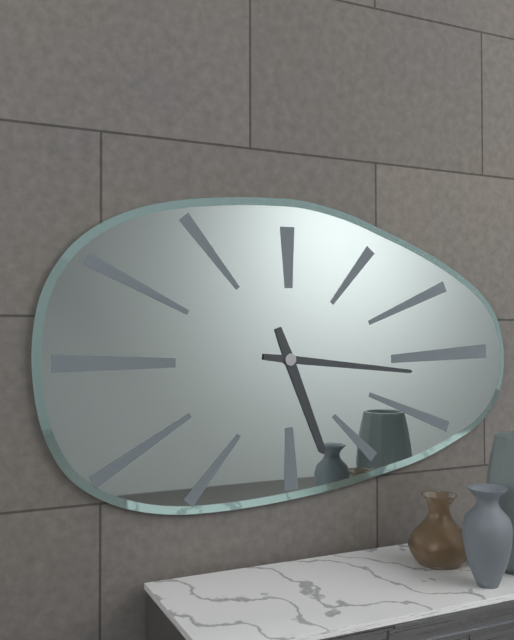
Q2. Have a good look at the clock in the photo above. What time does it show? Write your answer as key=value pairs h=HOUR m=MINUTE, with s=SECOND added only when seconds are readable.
h=5 m=16
